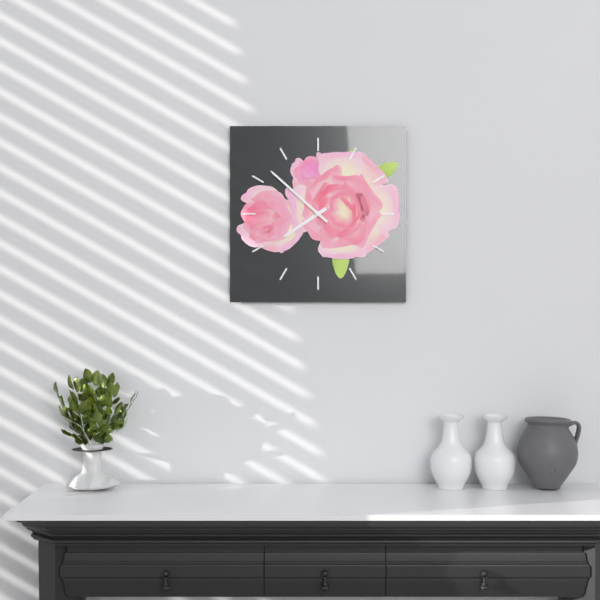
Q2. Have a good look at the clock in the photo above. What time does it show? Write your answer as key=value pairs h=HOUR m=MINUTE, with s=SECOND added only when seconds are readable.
h=7 m=52
